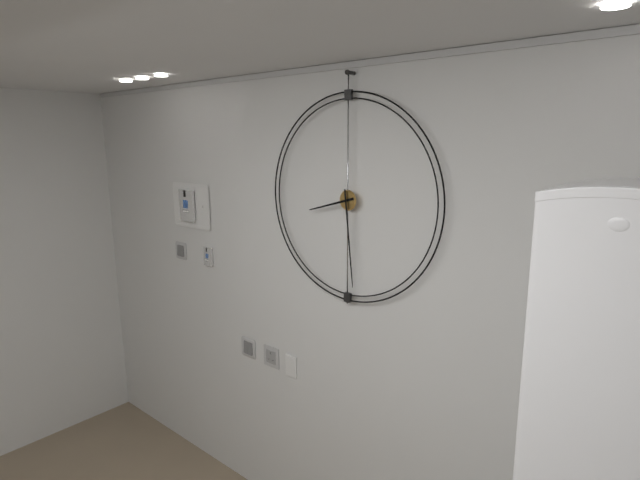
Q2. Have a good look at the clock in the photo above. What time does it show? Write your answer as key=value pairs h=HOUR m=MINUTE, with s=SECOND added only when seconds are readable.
h=8 m=29
